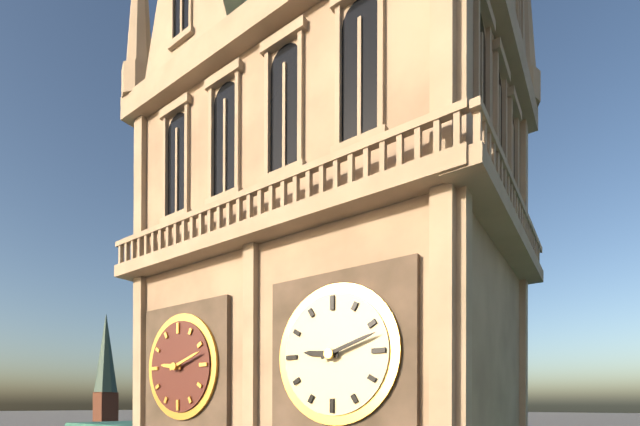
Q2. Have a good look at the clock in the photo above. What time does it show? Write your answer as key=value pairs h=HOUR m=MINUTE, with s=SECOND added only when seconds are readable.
h=9 m=12
